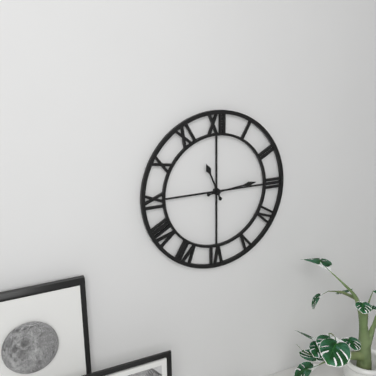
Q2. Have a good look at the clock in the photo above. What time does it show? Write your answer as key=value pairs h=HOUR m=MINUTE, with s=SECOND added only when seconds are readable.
h=11 m=14
